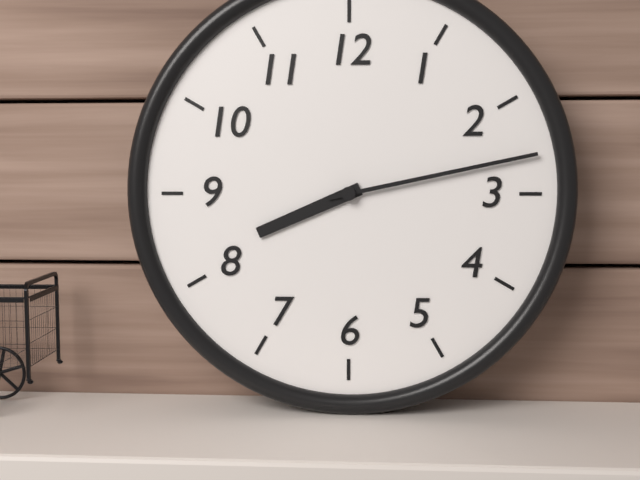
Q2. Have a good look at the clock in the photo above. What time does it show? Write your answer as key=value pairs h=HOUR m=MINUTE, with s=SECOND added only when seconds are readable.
h=8 m=13
